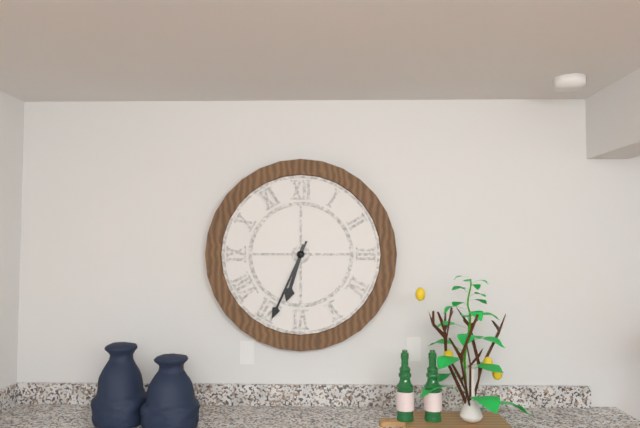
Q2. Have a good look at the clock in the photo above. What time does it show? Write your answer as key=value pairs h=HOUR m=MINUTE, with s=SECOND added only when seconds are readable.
h=6 m=34
